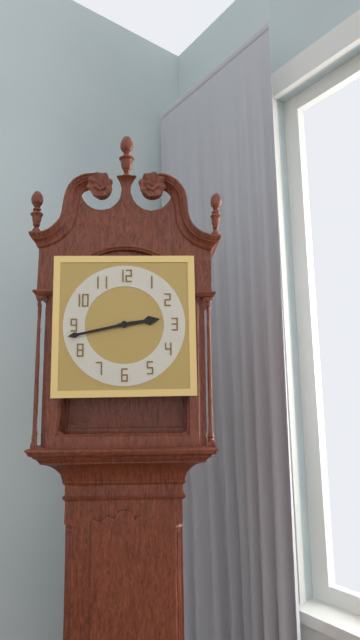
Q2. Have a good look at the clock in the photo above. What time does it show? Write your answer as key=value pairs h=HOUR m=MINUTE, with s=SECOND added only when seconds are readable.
h=2 m=43
